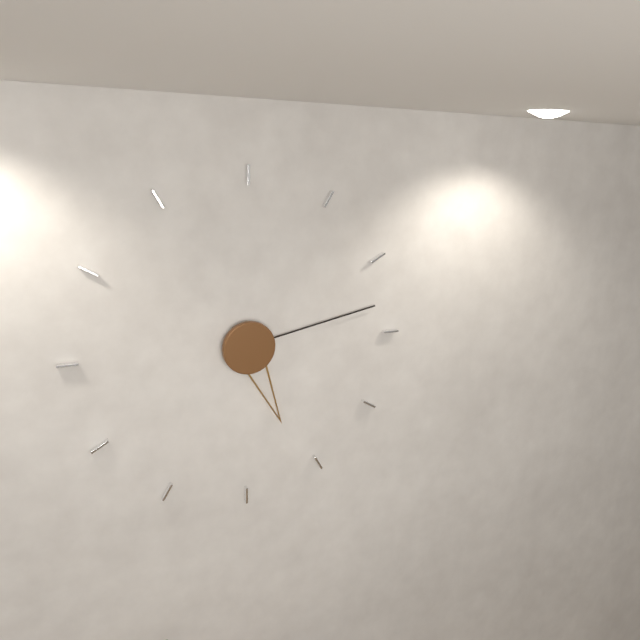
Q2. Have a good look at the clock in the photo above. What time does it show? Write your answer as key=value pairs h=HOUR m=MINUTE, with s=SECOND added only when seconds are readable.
h=5 m=13
